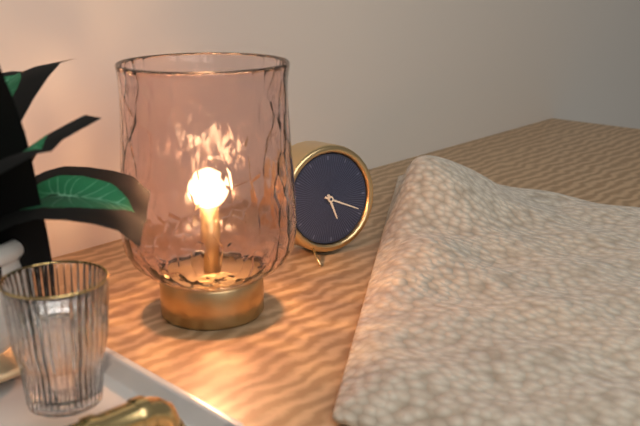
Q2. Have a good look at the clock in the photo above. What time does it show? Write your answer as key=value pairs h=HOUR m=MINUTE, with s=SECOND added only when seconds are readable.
h=5 m=19
